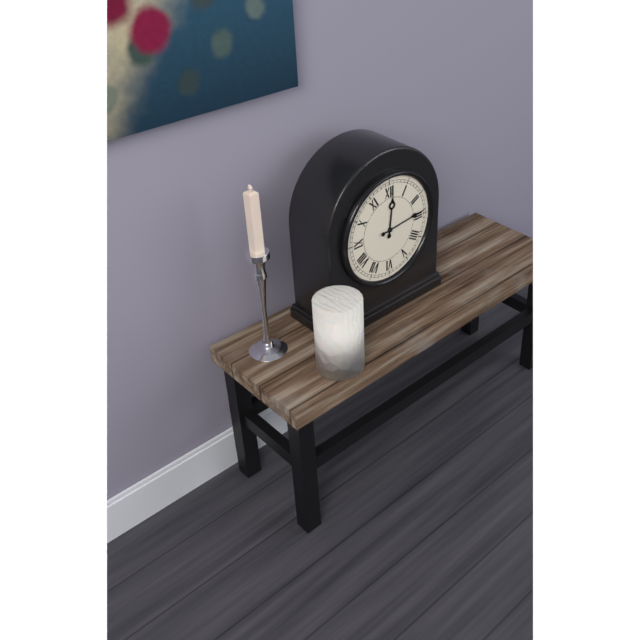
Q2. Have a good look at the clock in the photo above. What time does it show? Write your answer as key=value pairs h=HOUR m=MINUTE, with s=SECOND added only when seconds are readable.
h=12 m=14
